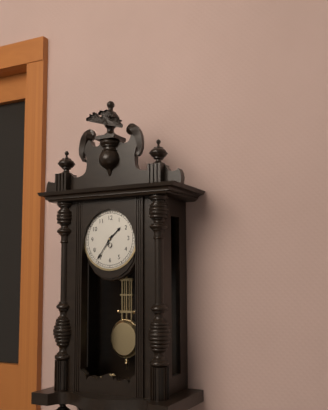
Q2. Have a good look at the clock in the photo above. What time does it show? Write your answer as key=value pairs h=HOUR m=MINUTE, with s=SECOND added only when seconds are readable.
h=1 m=36
